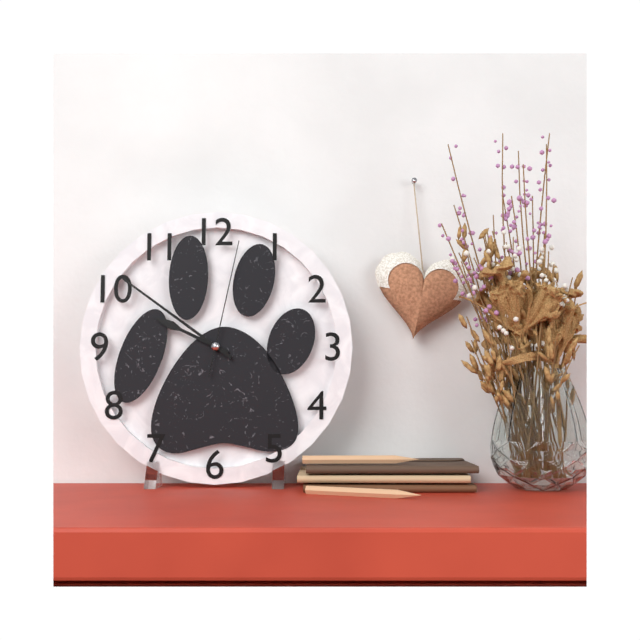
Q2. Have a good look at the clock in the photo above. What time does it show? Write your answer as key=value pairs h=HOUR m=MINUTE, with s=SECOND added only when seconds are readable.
h=9 m=51 s=2
